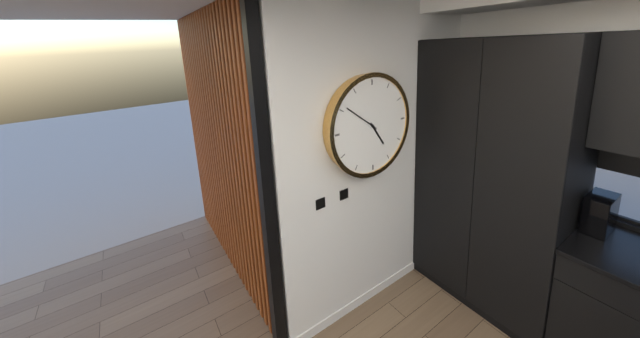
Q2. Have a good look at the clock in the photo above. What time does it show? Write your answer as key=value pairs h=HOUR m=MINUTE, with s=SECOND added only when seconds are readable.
h=4 m=51
